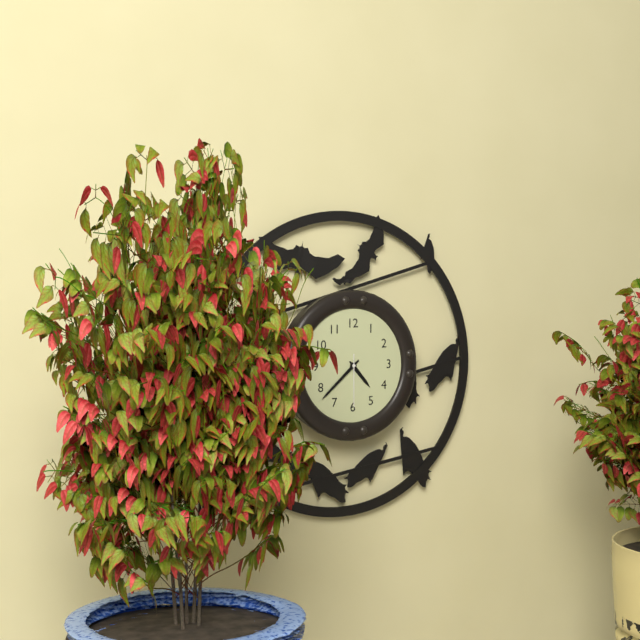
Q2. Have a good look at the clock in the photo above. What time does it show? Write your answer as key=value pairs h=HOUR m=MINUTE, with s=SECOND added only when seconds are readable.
h=4 m=38 s=30
